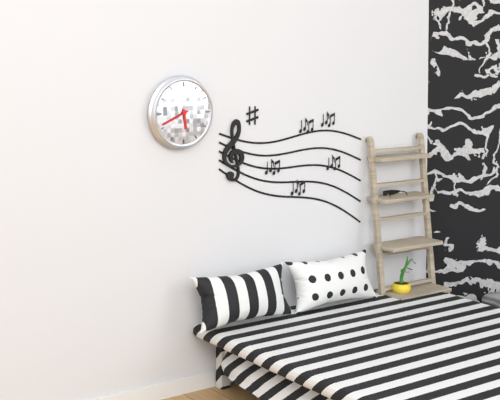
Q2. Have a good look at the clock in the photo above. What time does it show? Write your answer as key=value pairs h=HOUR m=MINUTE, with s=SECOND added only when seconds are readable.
h=5 m=41
